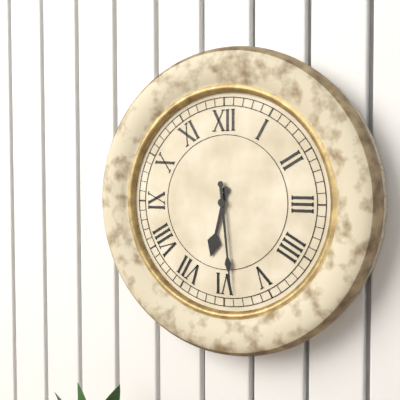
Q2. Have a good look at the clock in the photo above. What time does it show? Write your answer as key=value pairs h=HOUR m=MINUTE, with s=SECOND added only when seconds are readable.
h=6 m=29
